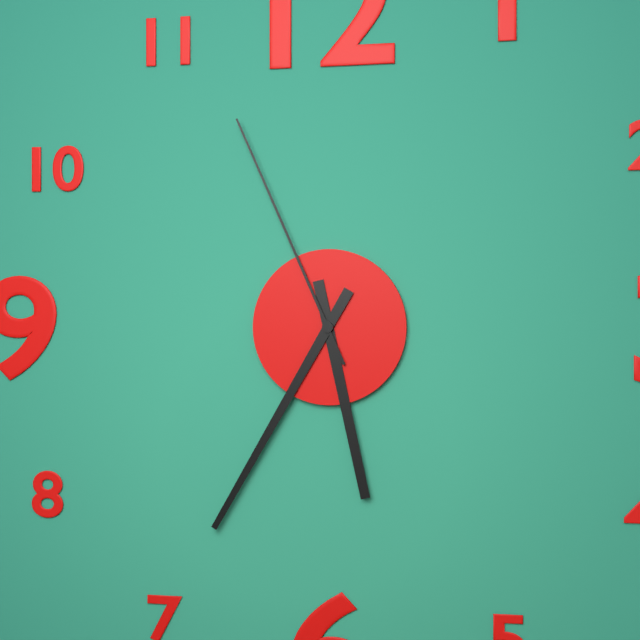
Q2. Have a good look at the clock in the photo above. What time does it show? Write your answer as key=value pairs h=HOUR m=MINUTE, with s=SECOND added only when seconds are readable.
h=5 m=35 s=56
